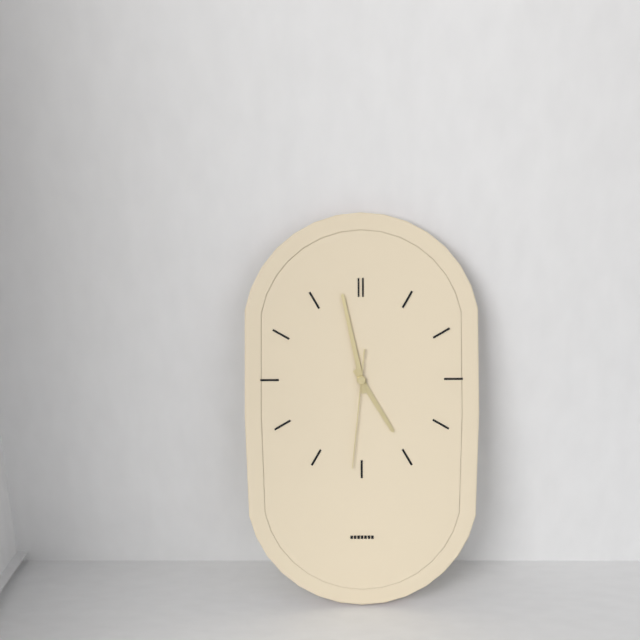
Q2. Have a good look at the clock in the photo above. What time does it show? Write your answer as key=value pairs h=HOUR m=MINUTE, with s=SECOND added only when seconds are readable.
h=4 m=58 s=31
